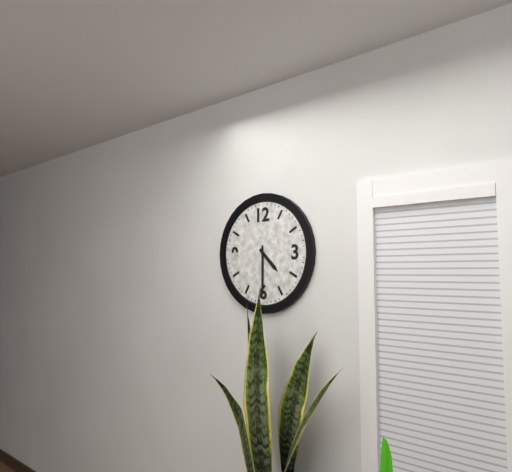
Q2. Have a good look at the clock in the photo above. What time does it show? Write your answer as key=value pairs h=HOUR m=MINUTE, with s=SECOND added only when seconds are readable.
h=4 m=30
